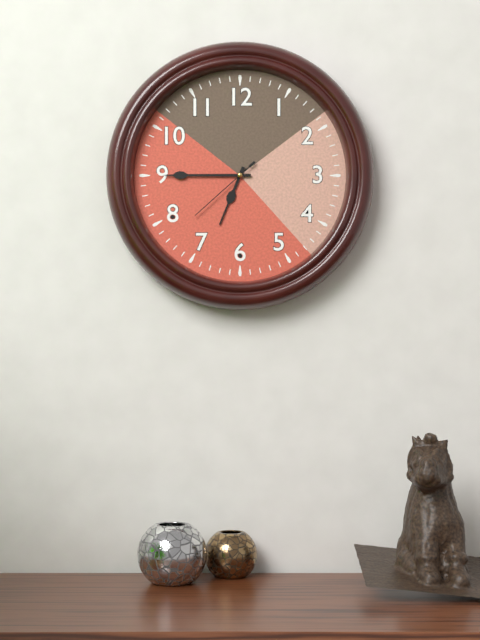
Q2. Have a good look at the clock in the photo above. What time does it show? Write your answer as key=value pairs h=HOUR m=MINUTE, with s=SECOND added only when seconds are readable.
h=6 m=45 s=38
